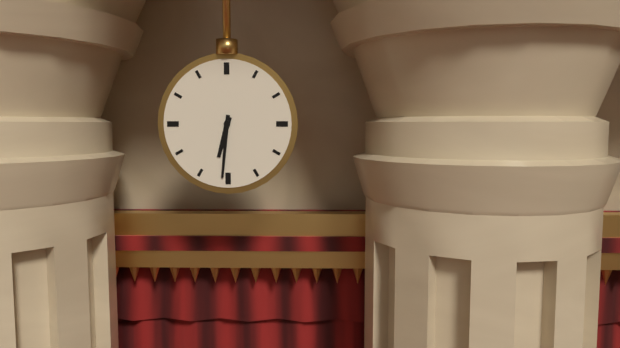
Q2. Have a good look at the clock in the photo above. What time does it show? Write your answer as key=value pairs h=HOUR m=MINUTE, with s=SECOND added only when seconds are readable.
h=6 m=31
